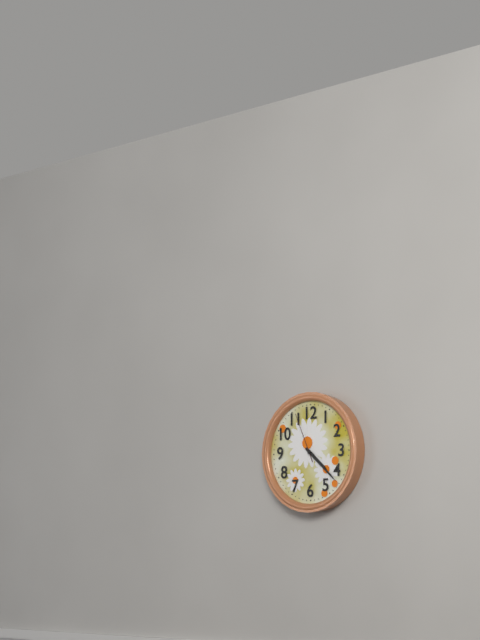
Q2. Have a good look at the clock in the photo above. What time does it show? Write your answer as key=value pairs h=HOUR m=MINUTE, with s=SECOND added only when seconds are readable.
h=4 m=22 s=56
